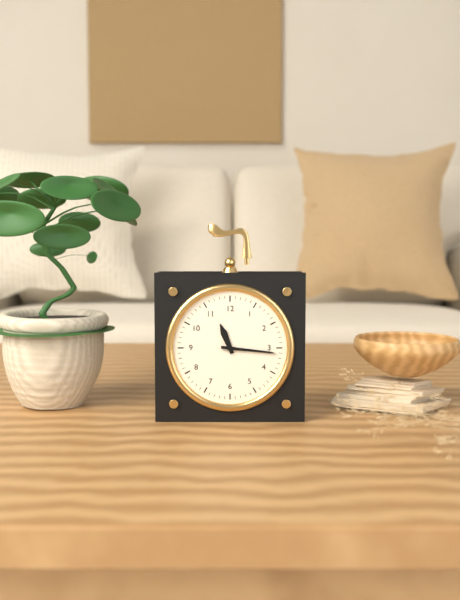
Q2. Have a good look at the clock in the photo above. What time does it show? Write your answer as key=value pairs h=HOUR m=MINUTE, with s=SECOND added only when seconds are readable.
h=11 m=16
